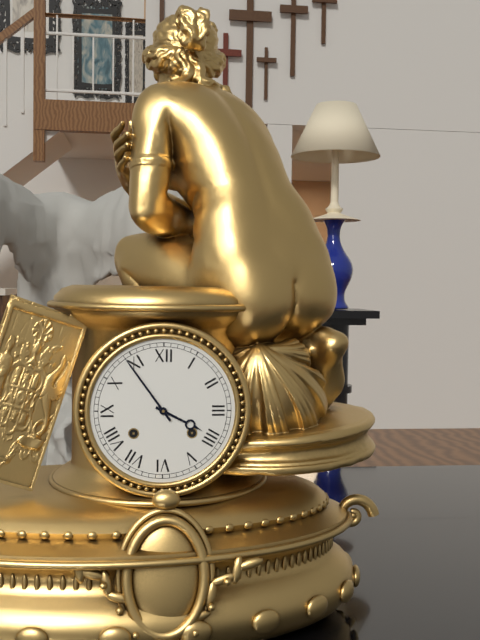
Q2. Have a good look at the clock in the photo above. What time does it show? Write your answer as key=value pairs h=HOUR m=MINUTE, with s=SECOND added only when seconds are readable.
h=3 m=54
